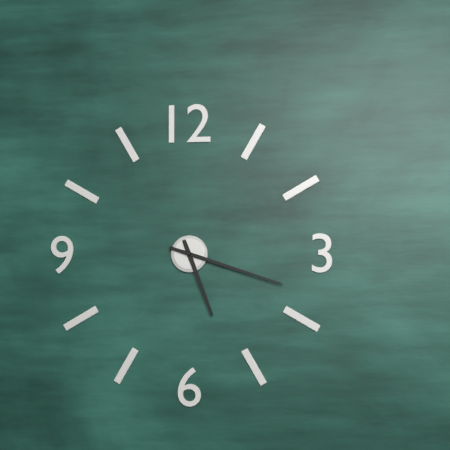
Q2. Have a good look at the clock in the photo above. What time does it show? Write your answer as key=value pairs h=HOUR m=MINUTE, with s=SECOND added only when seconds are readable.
h=5 m=18
